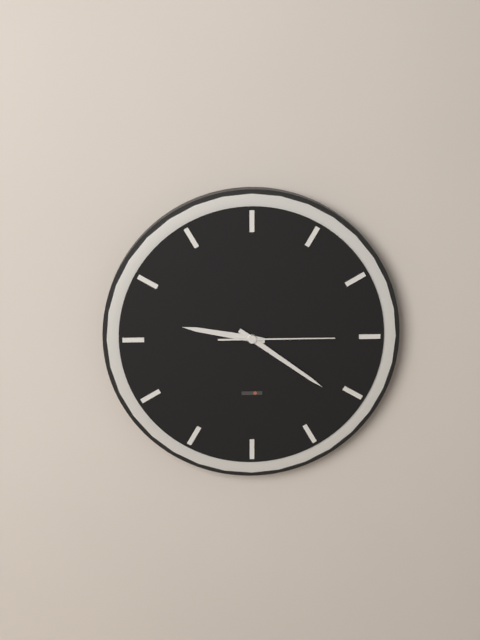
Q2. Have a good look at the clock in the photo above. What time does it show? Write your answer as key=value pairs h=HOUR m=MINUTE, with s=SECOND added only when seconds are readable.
h=9 m=21 s=15
